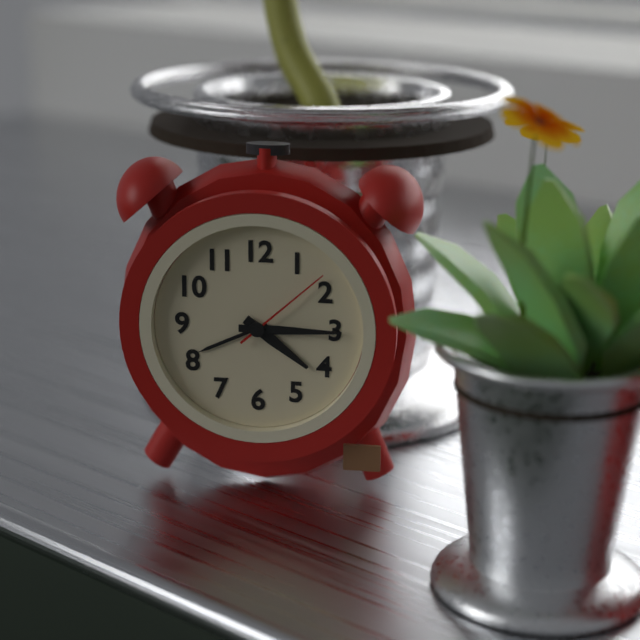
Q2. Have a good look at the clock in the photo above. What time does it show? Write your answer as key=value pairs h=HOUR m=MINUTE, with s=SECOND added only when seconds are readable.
h=4 m=15 s=8
